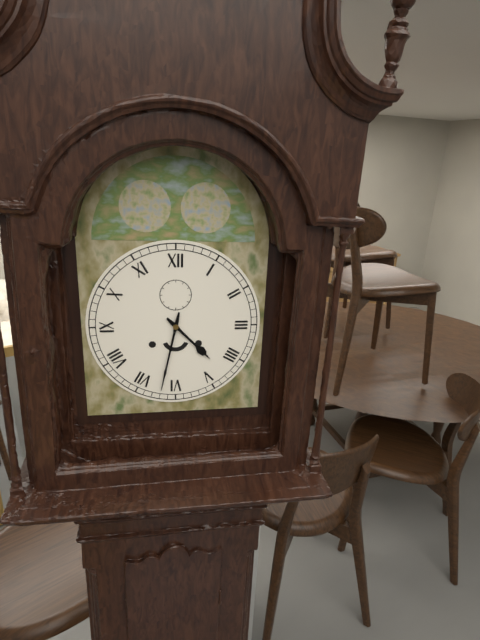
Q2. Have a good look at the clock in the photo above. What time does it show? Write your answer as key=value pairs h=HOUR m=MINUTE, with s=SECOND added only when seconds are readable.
h=4 m=32
